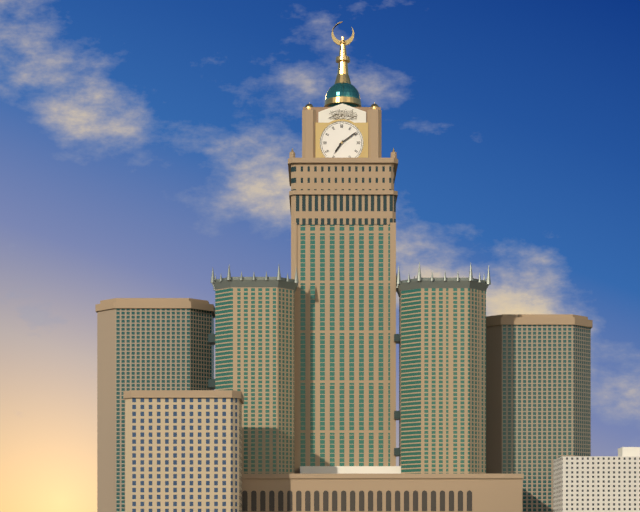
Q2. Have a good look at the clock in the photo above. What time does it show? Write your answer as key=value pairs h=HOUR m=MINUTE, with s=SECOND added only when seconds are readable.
h=7 m=9
